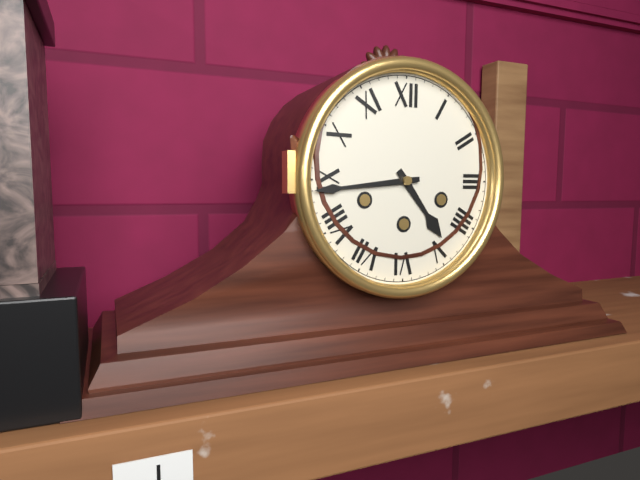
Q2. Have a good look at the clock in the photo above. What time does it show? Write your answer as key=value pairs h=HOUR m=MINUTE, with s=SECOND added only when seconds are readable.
h=4 m=44
